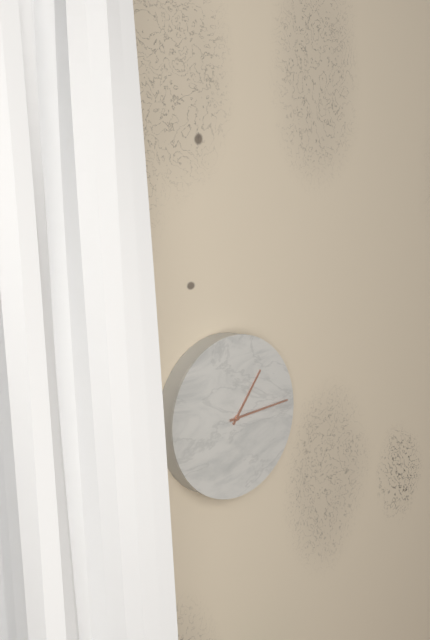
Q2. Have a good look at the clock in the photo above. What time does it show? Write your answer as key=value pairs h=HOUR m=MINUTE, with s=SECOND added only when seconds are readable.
h=1 m=14
